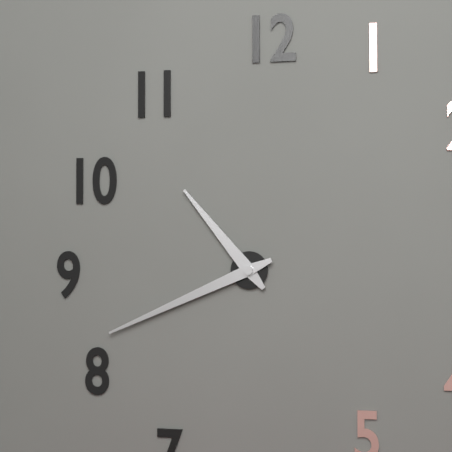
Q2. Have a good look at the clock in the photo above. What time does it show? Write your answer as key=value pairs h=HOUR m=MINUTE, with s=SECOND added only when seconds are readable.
h=10 m=41
